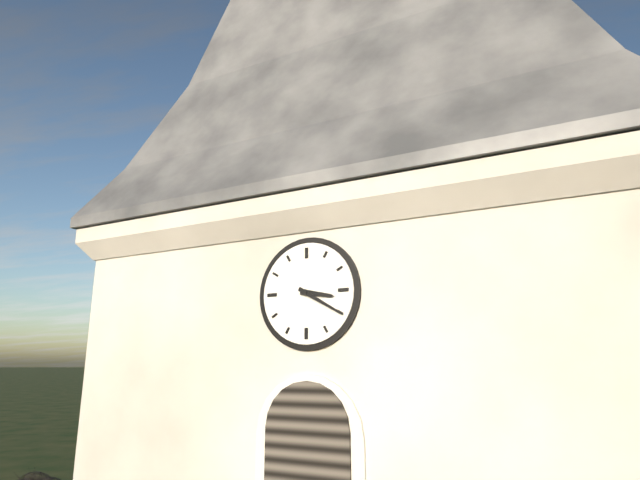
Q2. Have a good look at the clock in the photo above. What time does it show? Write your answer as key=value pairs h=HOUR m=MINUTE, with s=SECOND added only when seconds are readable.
h=3 m=20
